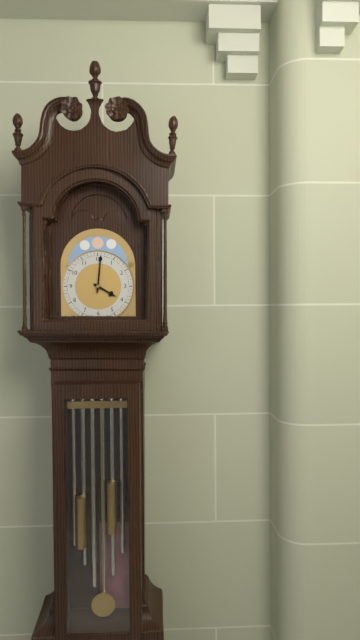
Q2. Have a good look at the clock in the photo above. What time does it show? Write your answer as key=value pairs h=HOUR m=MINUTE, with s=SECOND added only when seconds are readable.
h=4 m=1
